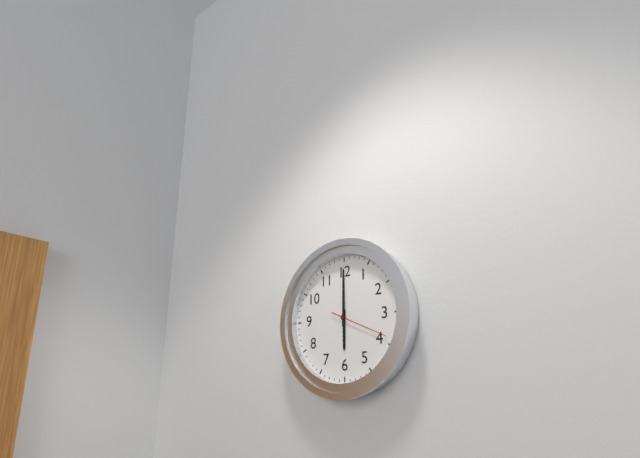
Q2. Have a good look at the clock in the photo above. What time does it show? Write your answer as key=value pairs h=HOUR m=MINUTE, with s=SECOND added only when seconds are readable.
h=6 m=0 s=19
